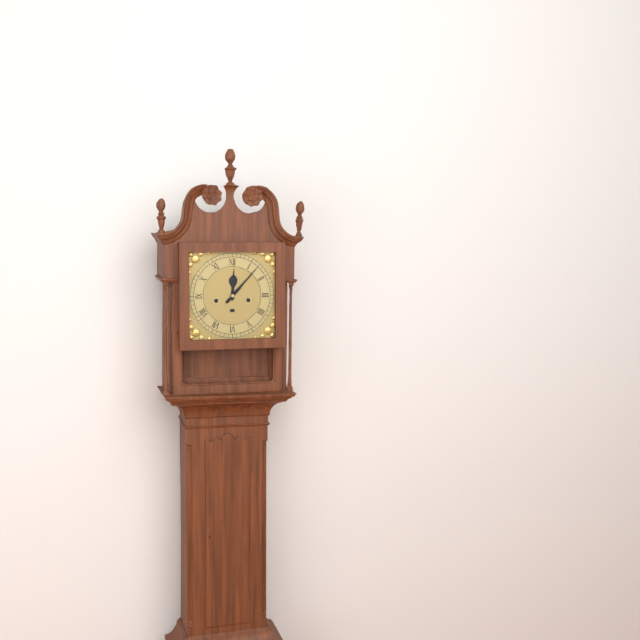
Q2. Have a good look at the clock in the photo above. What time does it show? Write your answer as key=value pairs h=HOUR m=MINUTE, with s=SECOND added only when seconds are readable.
h=12 m=7
